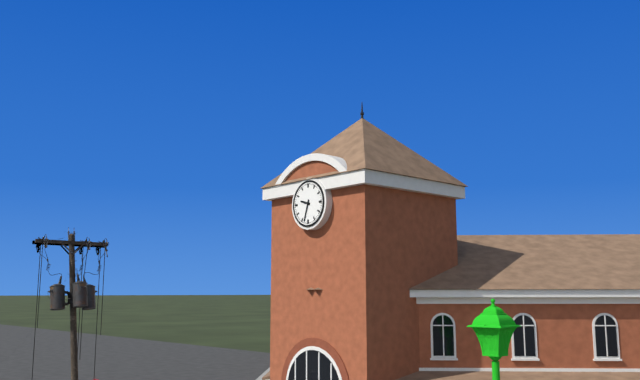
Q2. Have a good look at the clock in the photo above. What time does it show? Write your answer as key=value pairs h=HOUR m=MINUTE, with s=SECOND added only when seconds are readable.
h=9 m=33
